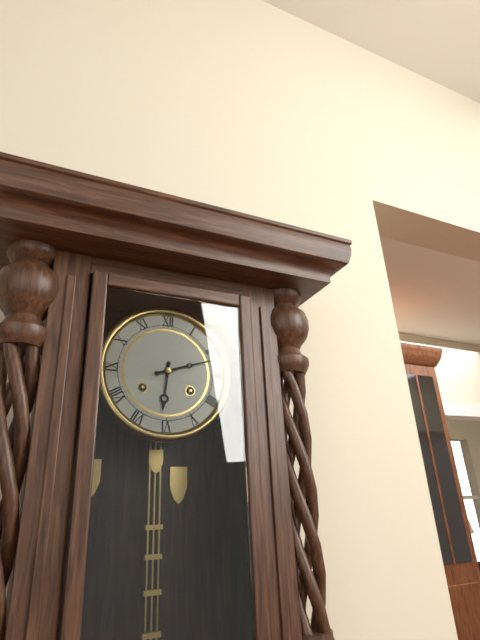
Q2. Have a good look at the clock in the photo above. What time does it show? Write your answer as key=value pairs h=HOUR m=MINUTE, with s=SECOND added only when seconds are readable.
h=6 m=12
